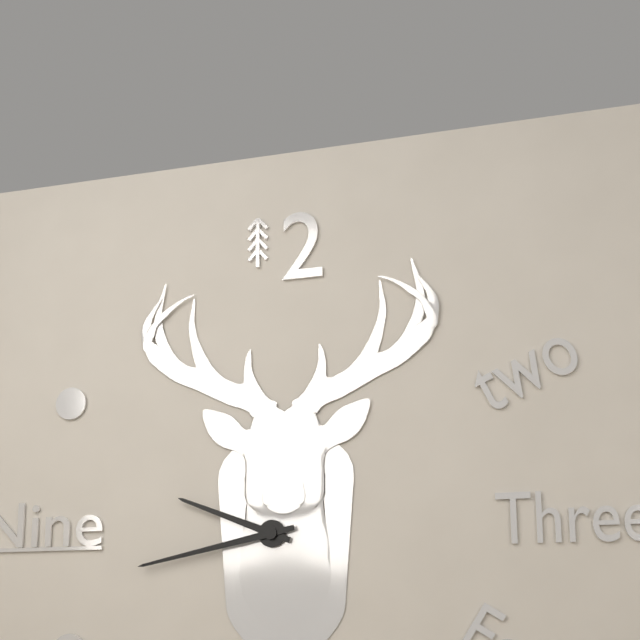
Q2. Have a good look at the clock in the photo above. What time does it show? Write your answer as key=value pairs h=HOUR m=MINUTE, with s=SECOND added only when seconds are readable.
h=9 m=43
